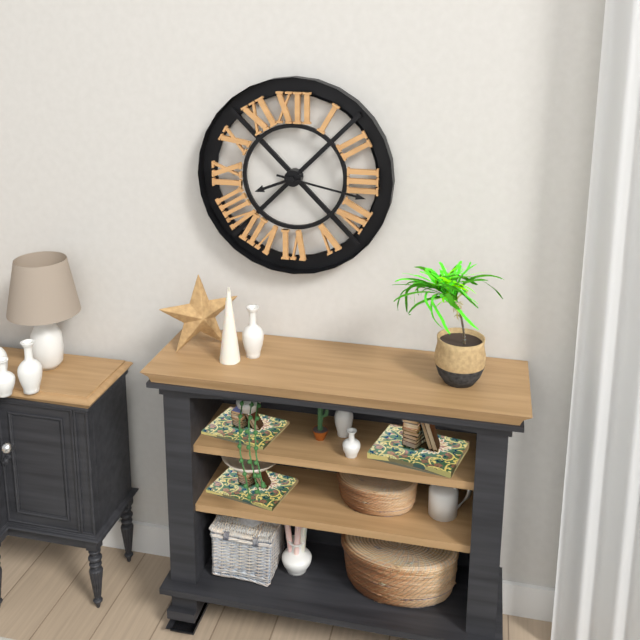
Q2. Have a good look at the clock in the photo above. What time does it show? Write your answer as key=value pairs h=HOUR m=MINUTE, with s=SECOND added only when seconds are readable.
h=8 m=17
